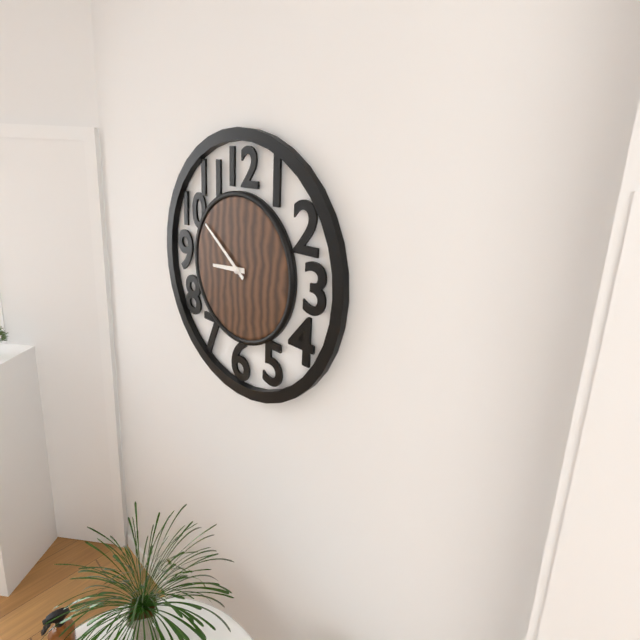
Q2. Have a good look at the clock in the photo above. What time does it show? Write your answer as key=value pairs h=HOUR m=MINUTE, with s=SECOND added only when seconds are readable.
h=8 m=51
